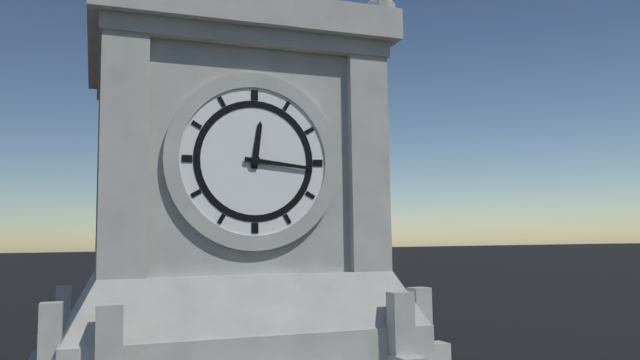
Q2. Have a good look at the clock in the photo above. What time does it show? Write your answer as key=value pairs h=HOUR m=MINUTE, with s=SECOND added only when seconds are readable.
h=12 m=16
